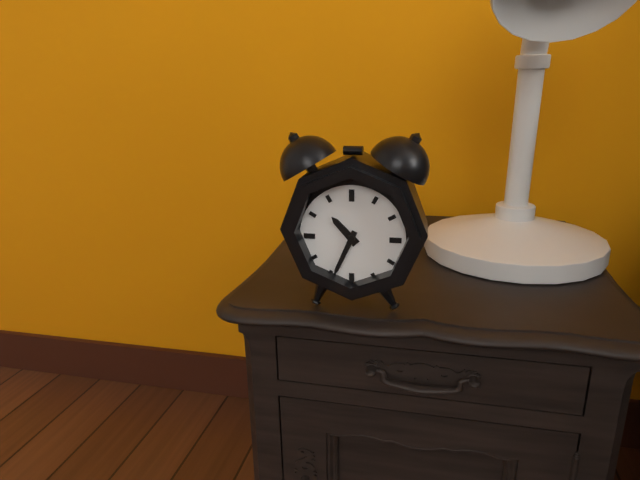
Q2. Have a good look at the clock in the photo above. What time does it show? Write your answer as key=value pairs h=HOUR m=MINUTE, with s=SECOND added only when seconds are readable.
h=10 m=34
